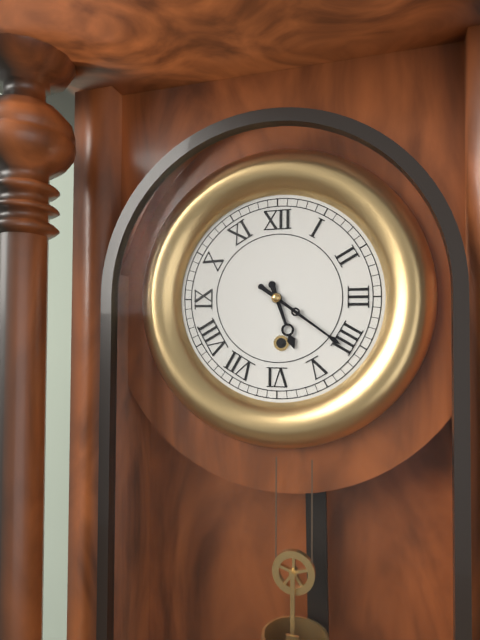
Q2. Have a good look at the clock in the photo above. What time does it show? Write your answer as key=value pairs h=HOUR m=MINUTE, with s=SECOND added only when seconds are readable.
h=5 m=21
